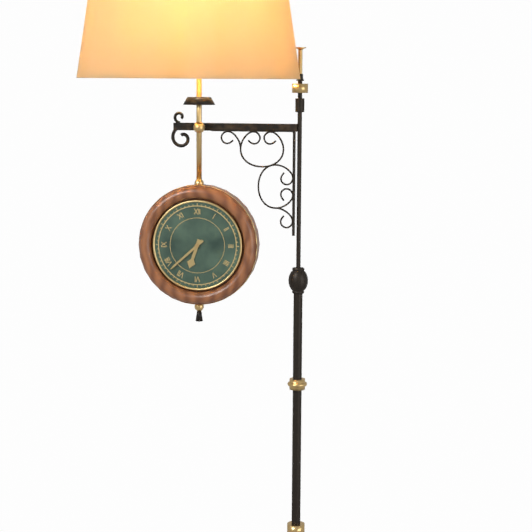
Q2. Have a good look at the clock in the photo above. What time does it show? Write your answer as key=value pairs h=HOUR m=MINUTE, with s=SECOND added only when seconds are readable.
h=6 m=38
